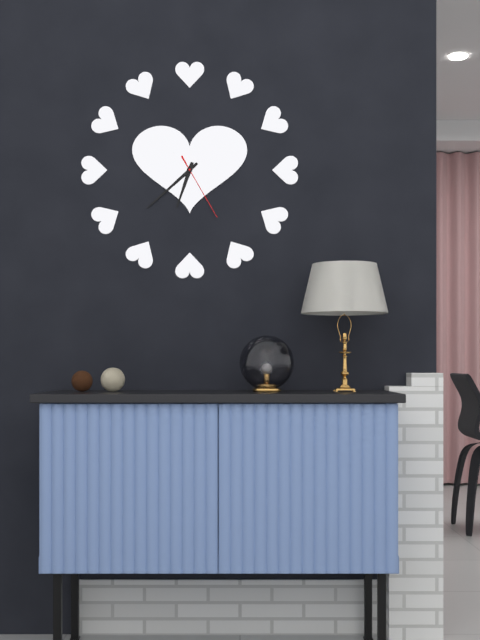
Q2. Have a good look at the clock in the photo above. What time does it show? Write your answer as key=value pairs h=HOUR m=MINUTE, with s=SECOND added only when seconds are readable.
h=6 m=38 s=25
